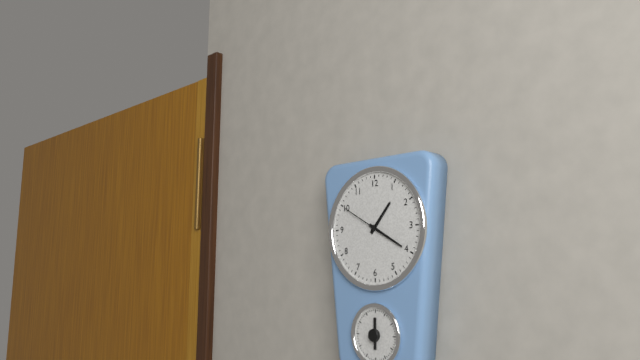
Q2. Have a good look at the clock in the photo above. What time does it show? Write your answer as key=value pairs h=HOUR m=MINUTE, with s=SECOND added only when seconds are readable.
h=1 m=20
